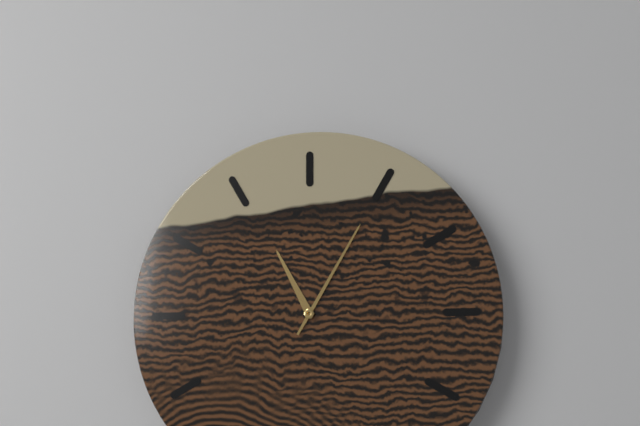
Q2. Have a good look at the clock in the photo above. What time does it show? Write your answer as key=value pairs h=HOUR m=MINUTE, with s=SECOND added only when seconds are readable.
h=11 m=5
